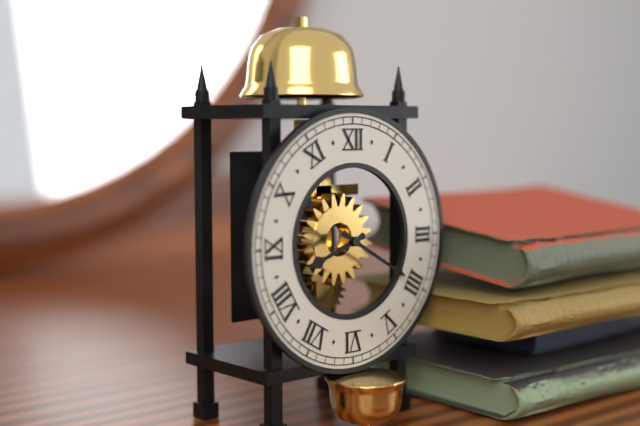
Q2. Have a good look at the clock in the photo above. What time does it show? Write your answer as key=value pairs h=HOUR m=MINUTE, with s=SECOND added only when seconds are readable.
h=8 m=20
